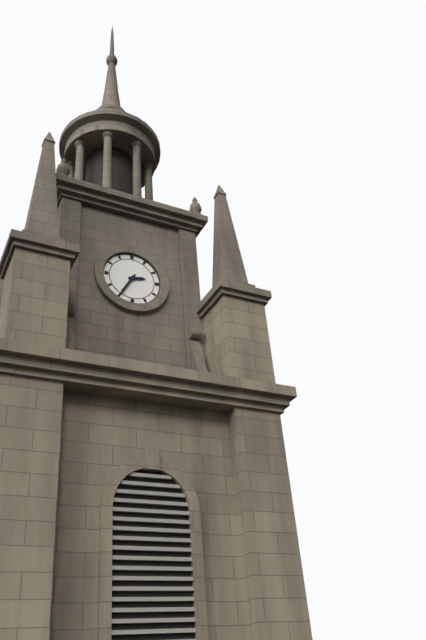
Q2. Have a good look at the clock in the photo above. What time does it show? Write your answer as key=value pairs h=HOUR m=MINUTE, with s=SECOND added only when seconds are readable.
h=2 m=35
